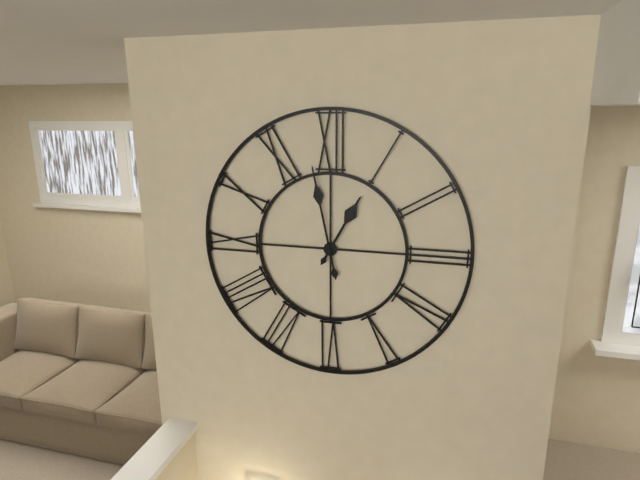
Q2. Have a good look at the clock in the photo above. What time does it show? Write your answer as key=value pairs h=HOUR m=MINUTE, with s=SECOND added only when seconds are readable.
h=12 m=58
